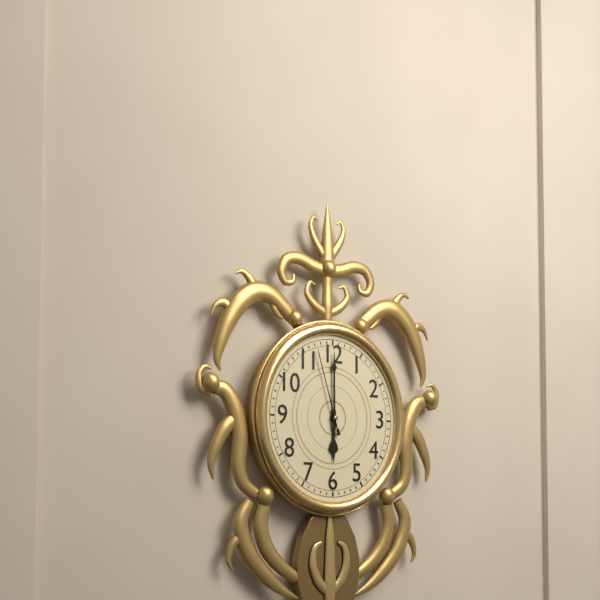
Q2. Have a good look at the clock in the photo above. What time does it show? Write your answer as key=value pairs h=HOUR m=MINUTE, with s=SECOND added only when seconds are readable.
h=6 m=0 s=57
